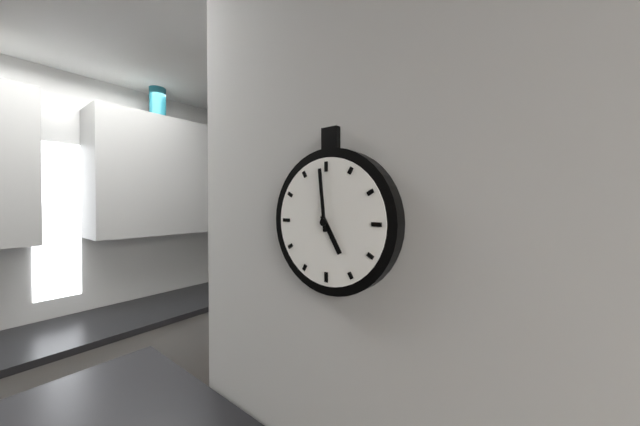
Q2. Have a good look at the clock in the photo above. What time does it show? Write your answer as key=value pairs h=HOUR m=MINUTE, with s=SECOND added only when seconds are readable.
h=4 m=59
